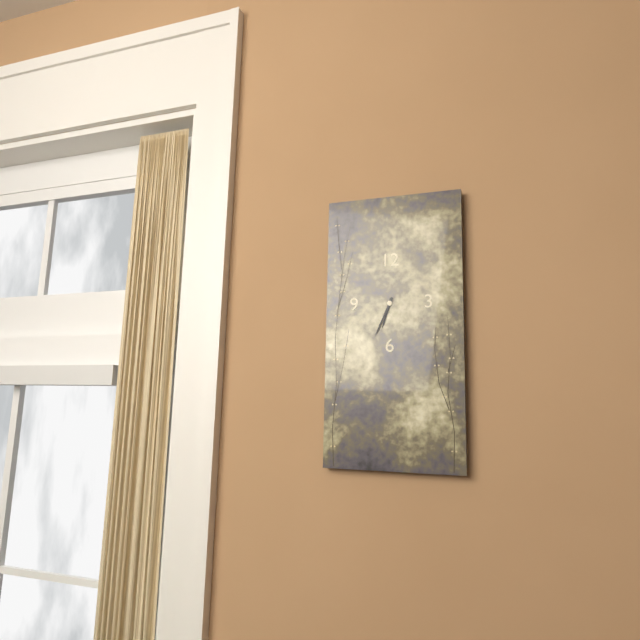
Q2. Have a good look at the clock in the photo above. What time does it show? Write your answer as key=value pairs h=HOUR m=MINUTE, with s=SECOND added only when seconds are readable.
h=6 m=34
